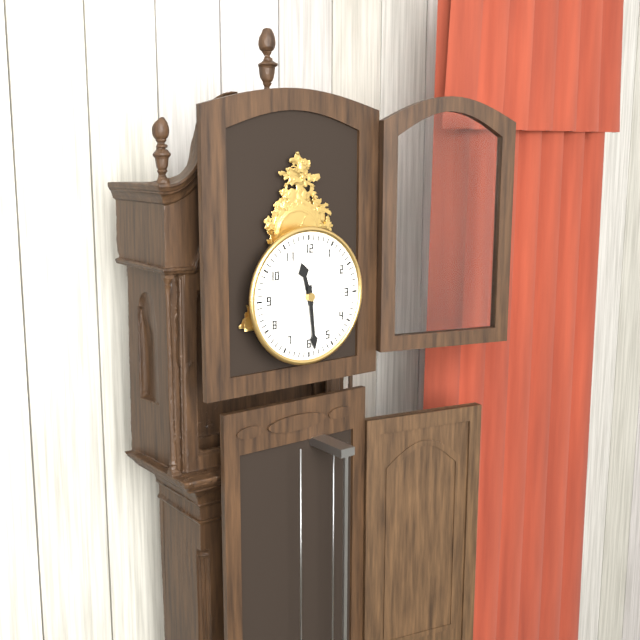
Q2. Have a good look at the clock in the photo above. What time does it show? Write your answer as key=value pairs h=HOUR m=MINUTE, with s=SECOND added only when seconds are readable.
h=11 m=29
